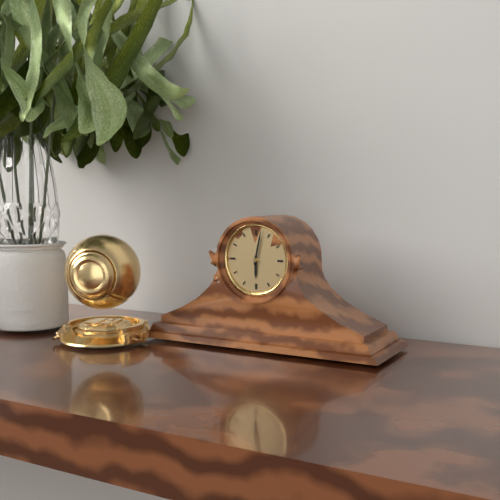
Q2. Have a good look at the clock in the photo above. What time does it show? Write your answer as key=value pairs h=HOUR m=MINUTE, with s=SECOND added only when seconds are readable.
h=6 m=2
